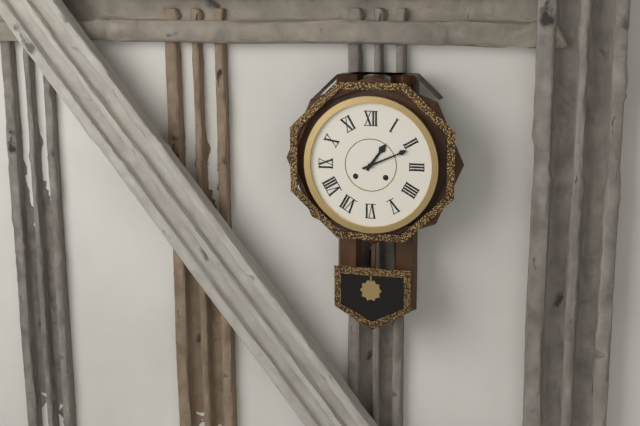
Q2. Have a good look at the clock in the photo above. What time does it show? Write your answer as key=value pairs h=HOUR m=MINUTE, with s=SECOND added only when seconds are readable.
h=1 m=11
